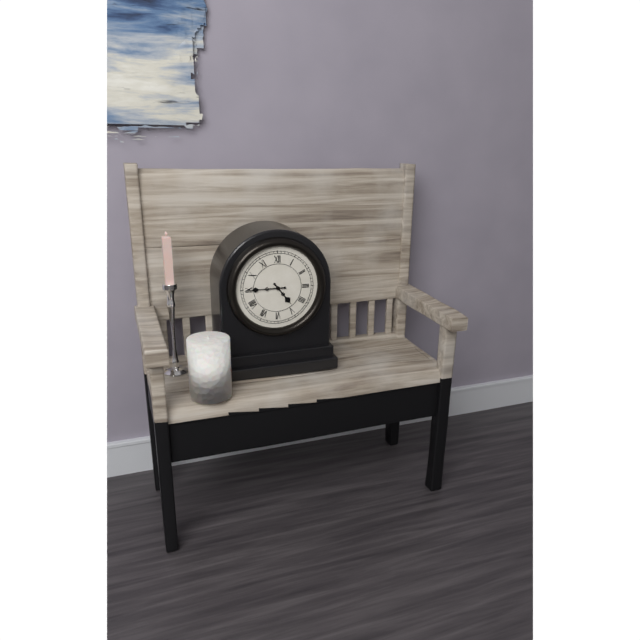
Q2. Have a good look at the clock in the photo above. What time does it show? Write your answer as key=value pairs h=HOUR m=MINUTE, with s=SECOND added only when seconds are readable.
h=4 m=45
